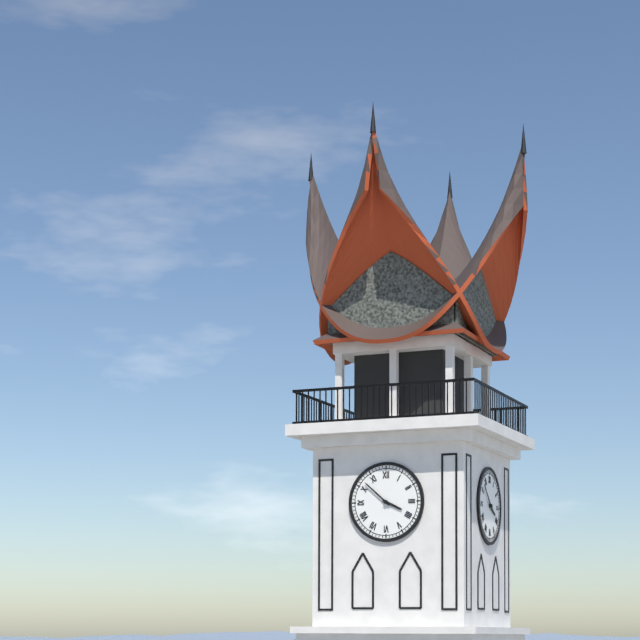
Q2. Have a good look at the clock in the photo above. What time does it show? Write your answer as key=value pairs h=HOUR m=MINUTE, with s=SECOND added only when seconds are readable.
h=3 m=52
